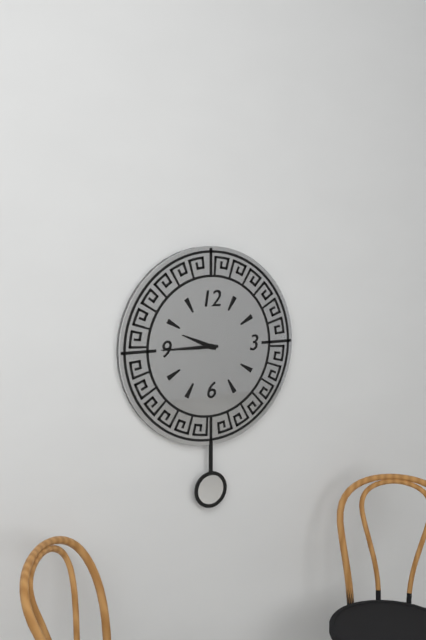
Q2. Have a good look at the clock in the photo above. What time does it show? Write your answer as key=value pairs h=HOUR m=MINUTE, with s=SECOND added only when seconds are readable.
h=9 m=45
